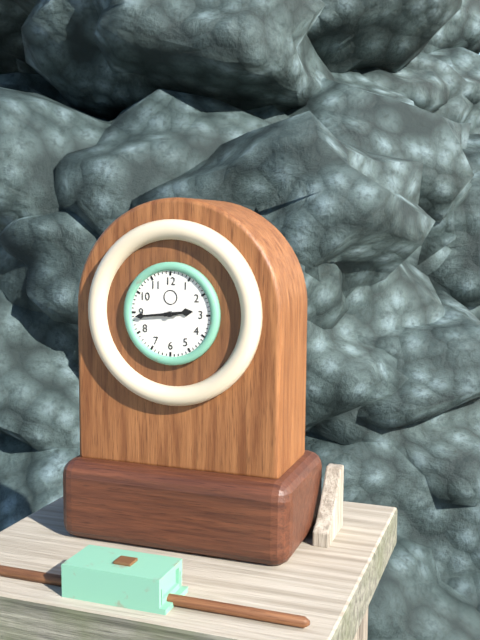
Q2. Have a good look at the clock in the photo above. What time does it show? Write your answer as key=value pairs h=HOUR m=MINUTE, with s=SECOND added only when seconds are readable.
h=2 m=44
